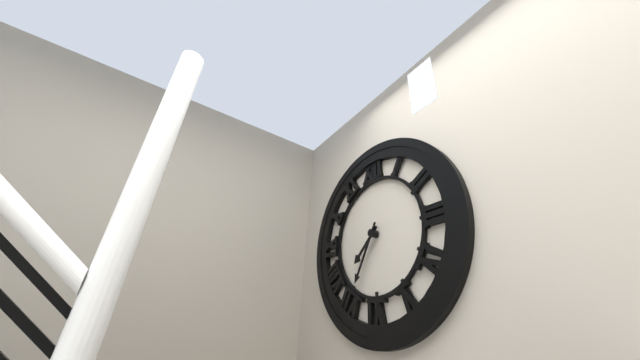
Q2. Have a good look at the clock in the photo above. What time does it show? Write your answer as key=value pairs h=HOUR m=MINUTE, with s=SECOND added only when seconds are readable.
h=7 m=35
